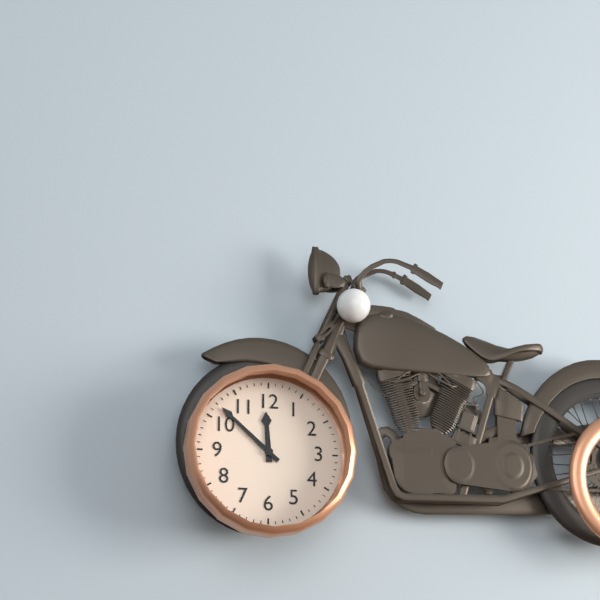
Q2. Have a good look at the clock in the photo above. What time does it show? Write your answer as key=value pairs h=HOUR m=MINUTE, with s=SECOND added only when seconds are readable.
h=11 m=52
